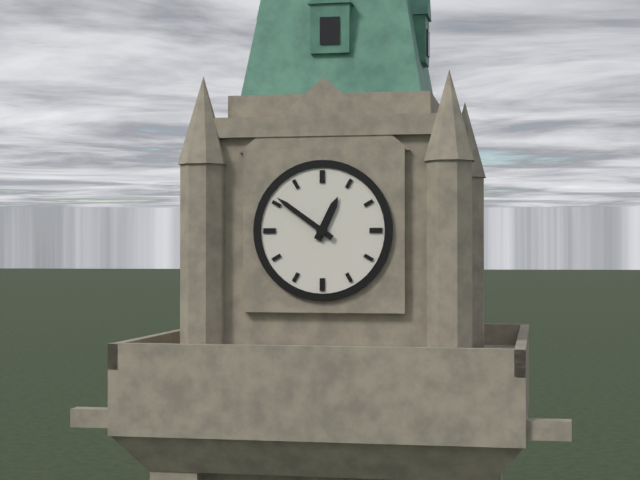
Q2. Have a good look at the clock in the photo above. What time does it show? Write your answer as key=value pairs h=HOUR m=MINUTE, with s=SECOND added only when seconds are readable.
h=12 m=51
